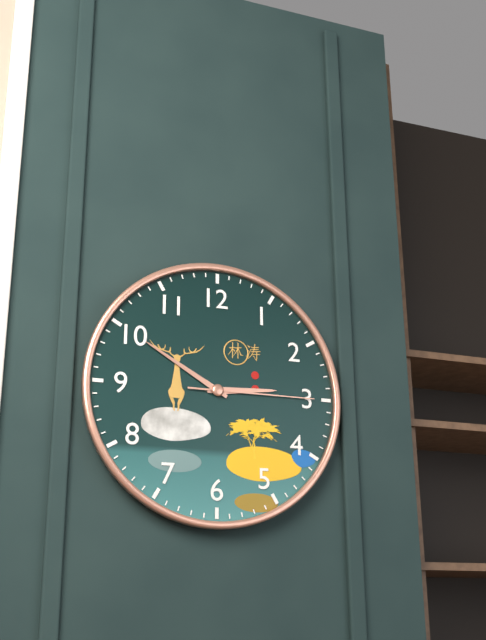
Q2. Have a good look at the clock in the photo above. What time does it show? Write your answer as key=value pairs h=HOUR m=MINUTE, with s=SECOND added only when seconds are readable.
h=2 m=50 s=15
